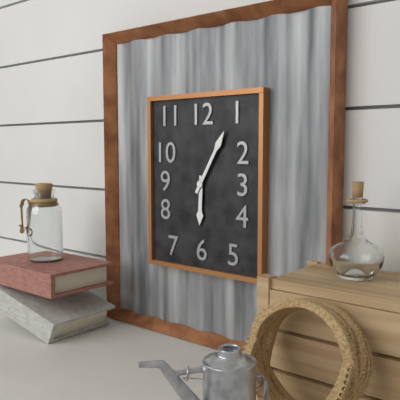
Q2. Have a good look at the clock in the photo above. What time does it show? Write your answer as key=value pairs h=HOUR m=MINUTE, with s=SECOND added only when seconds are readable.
h=6 m=5
